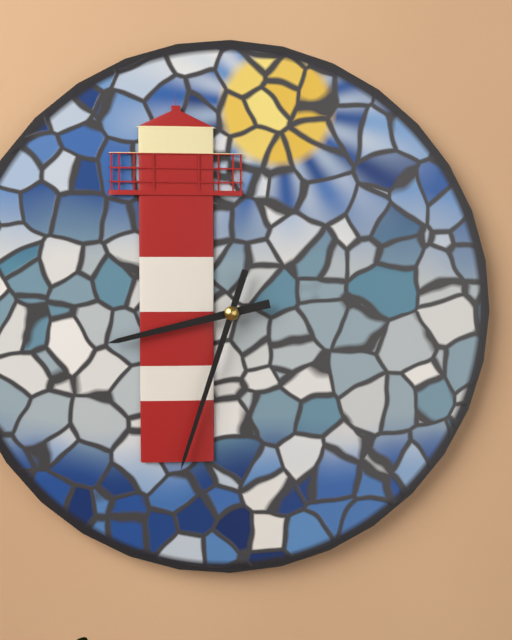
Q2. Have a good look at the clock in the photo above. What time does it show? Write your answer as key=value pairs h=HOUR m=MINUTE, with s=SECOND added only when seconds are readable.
h=8 m=33
